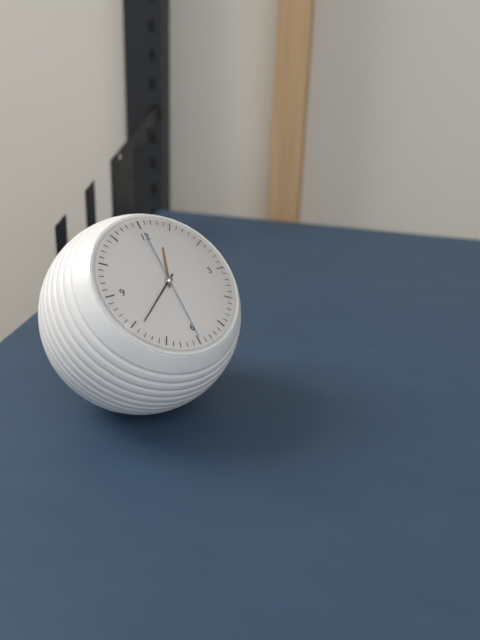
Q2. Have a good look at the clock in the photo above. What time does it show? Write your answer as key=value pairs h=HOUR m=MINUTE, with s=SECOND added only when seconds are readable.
h=12 m=39 s=30
